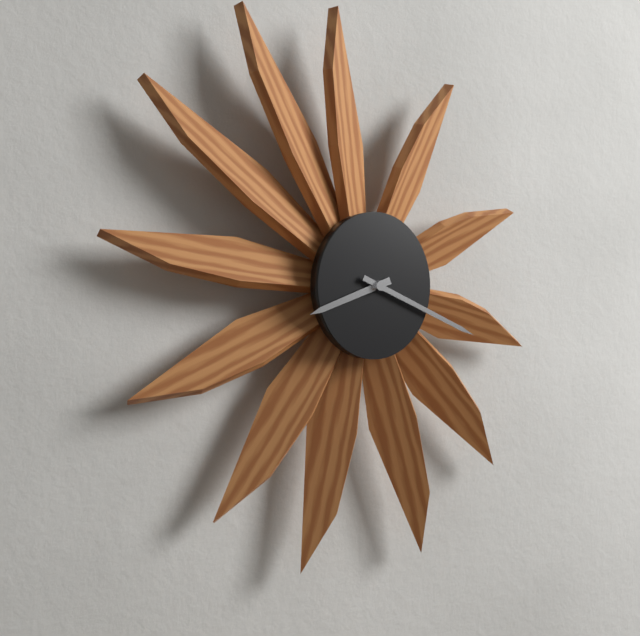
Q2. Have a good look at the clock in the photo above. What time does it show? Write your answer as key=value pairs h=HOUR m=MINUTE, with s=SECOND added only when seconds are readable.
h=8 m=19
